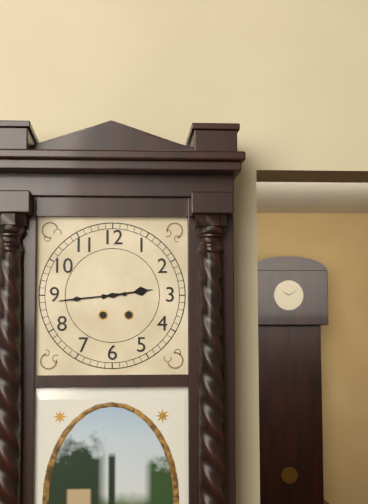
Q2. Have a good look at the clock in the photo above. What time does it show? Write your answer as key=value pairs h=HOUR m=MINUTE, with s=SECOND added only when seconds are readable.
h=2 m=44
